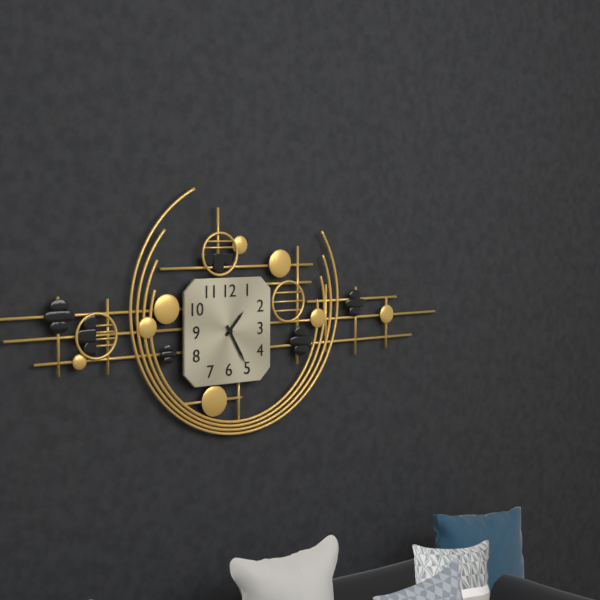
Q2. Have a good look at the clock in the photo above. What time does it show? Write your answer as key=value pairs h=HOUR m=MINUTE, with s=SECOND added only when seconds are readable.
h=1 m=25
